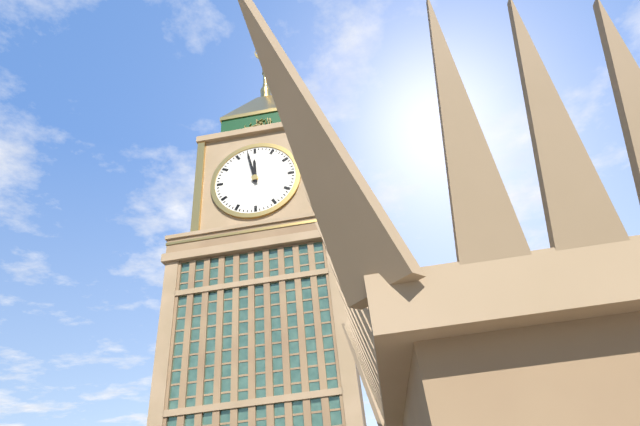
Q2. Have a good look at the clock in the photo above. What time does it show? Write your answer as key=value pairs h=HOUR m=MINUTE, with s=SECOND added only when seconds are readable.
h=11 m=58
